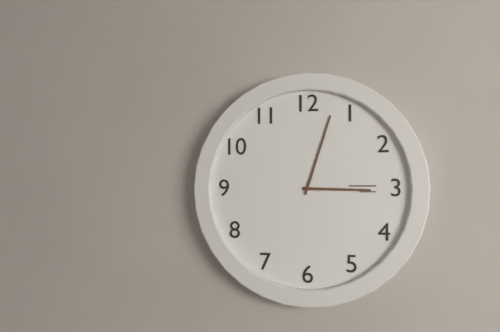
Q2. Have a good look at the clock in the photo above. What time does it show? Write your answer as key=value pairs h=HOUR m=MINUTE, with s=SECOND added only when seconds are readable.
h=3 m=3
